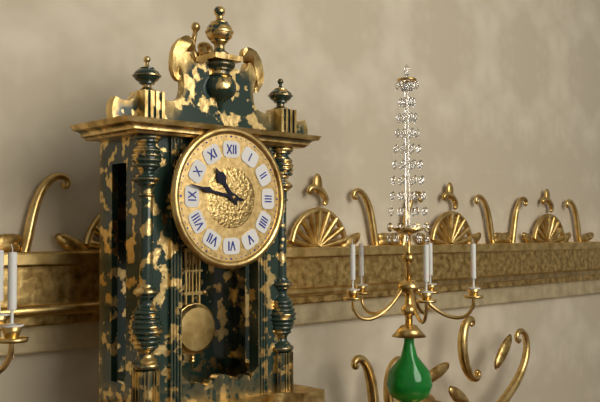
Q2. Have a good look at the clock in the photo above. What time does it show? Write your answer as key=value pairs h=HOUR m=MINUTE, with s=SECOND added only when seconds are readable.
h=10 m=47
